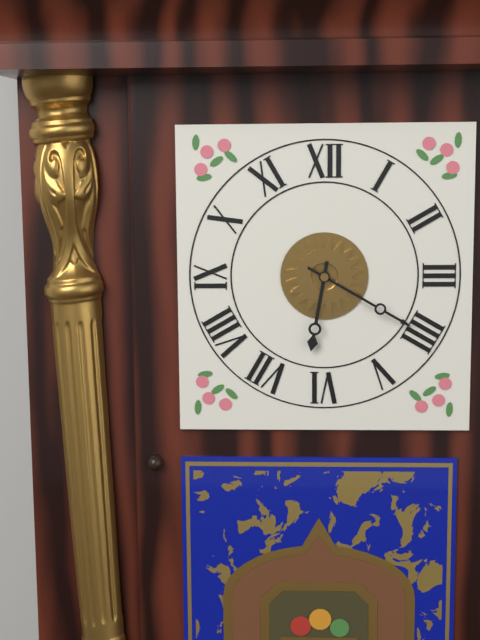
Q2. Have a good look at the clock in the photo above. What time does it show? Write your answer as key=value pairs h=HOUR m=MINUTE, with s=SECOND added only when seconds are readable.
h=6 m=20
